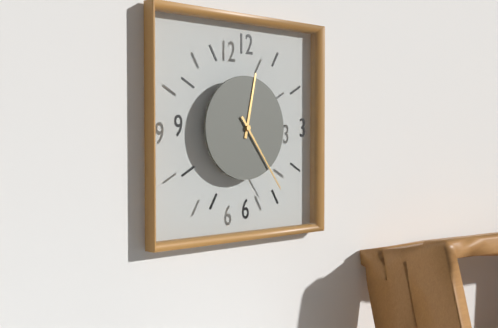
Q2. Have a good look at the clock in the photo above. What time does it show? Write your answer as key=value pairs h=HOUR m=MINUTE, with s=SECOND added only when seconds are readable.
h=12 m=24
